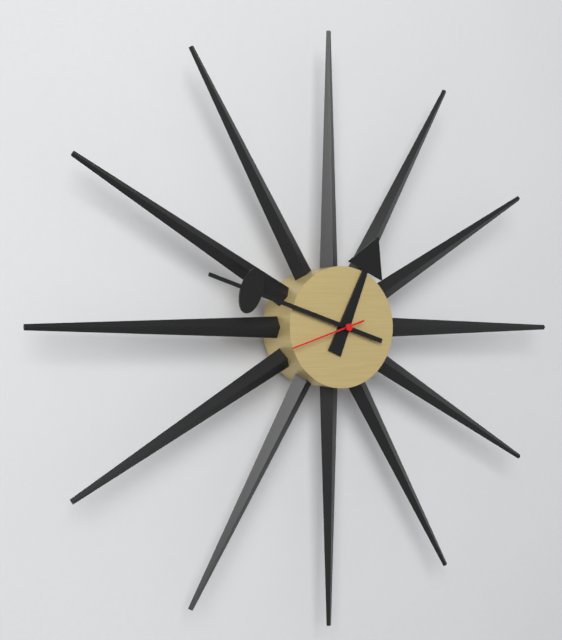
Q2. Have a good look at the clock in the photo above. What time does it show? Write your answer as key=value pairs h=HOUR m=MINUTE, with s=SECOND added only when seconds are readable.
h=12 m=48
